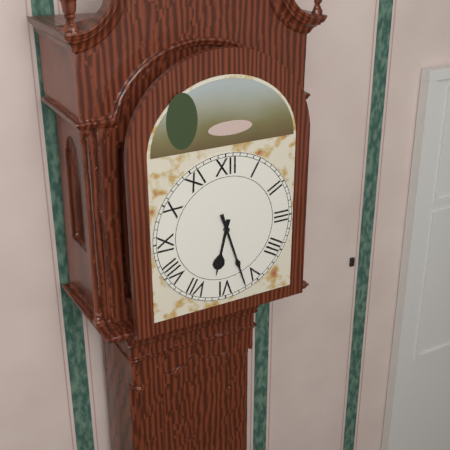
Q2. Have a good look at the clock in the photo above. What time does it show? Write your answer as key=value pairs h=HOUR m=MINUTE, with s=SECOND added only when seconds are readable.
h=6 m=27
